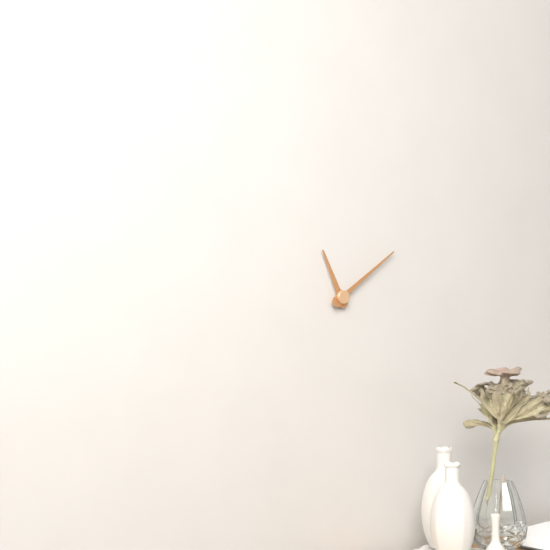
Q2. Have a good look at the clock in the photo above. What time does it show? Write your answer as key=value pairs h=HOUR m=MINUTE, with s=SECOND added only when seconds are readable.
h=11 m=9
